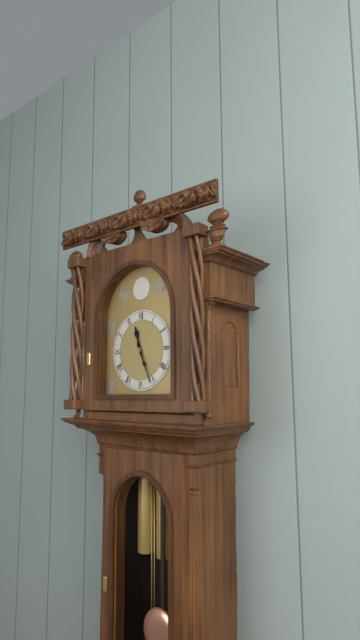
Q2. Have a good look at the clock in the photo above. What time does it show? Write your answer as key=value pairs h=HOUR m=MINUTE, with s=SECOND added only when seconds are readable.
h=11 m=26
